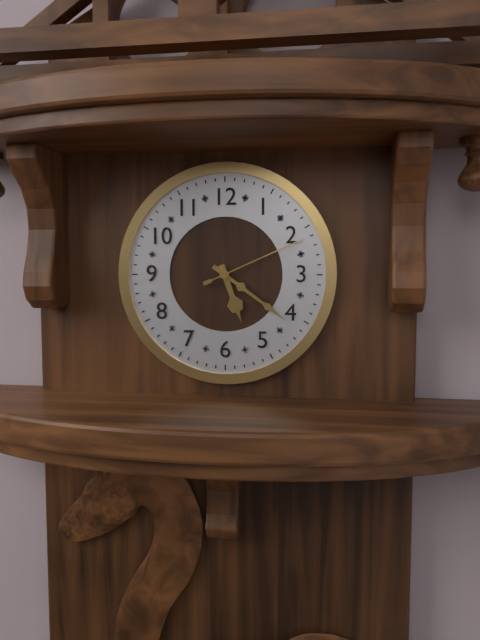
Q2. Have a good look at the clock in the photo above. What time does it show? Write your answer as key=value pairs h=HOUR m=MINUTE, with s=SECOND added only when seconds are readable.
h=5 m=21 s=11
